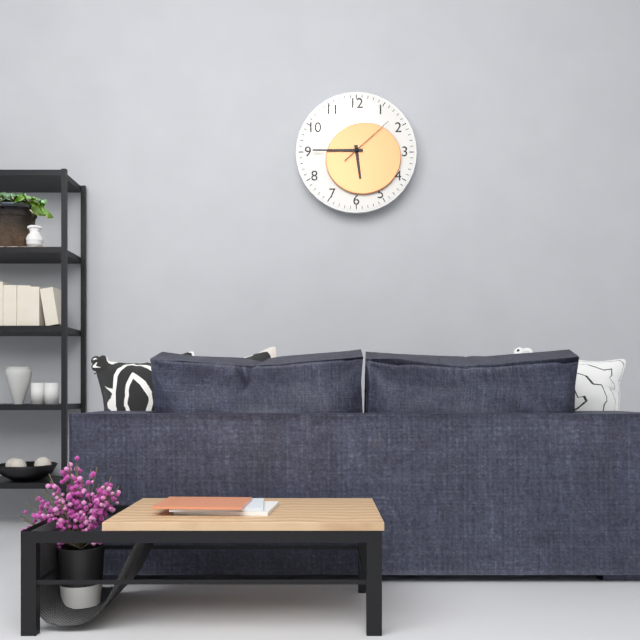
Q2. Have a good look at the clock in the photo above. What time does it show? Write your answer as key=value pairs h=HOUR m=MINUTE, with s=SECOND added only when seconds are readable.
h=5 m=45 s=8
